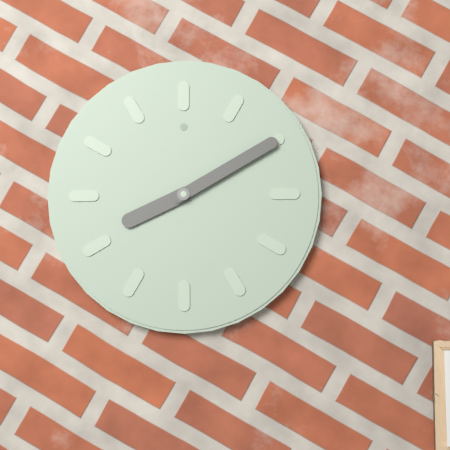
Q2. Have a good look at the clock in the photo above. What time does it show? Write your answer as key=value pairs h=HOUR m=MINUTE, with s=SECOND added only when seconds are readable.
h=8 m=10
